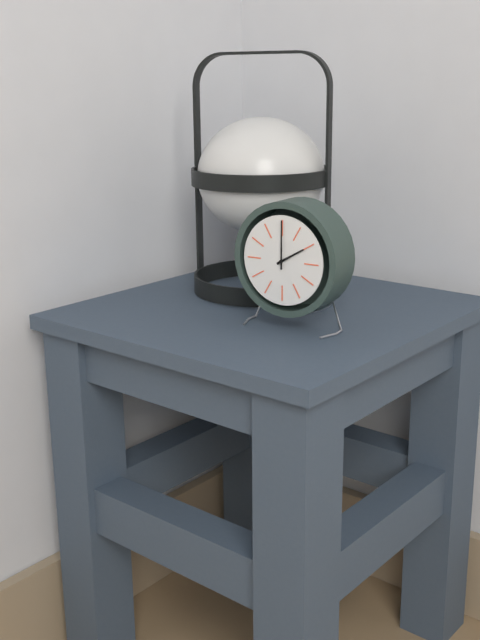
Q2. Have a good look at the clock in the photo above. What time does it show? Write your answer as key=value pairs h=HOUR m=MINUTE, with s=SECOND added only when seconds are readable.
h=2 m=0
